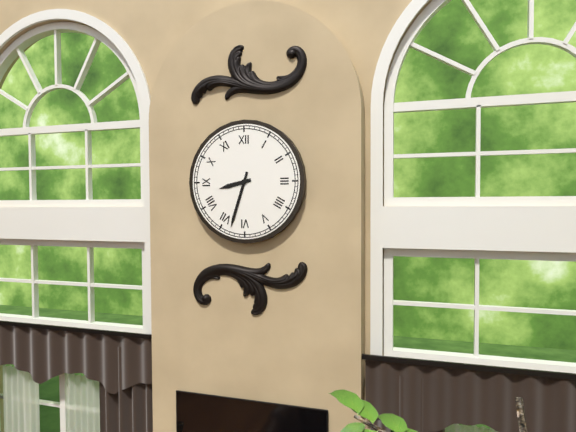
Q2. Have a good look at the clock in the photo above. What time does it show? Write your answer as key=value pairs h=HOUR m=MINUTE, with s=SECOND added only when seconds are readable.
h=8 m=33
